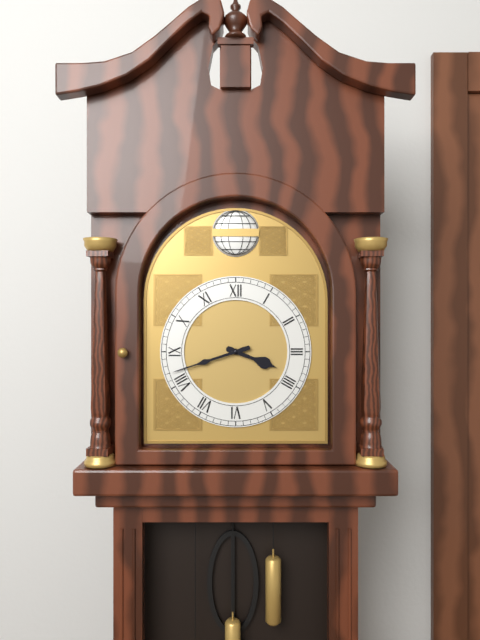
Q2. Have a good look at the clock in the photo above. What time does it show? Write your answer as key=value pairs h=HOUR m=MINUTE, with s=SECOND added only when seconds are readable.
h=3 m=42
